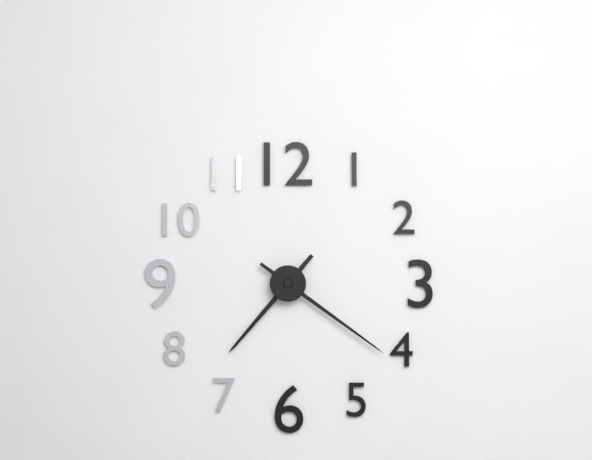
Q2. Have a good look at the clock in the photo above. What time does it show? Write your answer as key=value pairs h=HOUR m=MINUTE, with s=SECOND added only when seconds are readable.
h=7 m=21
